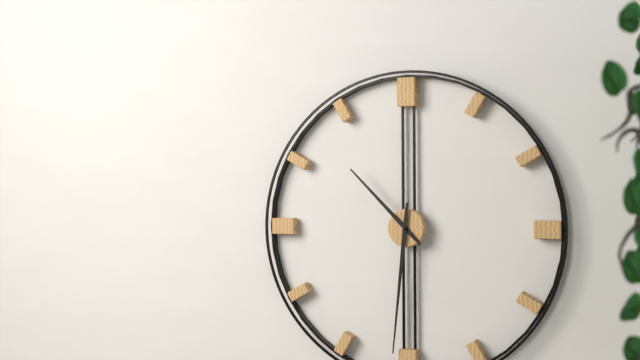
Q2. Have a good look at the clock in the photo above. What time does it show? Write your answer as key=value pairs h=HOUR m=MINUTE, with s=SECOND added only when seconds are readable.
h=10 m=31
